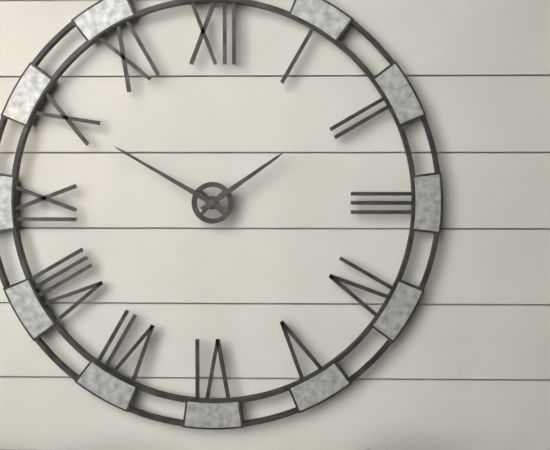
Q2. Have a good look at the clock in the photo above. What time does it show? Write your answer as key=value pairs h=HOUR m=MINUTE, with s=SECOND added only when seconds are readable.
h=1 m=50
